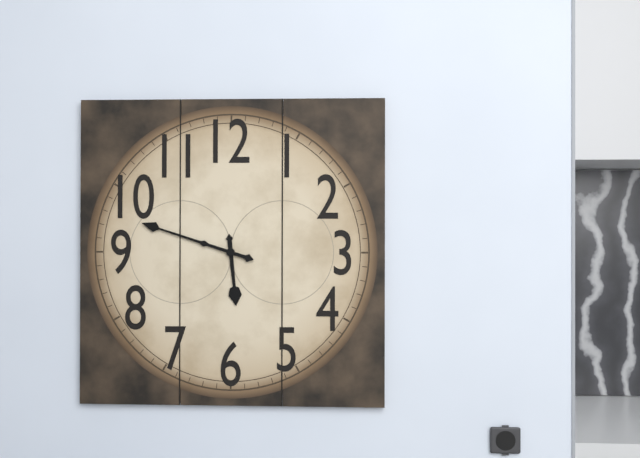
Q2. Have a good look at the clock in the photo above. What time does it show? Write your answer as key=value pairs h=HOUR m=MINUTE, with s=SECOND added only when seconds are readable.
h=5 m=48
